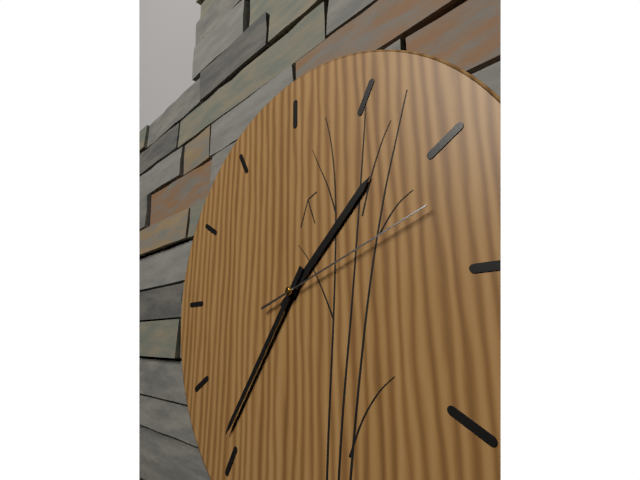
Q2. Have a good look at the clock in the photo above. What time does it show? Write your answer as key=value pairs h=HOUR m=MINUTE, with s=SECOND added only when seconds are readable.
h=1 m=36 s=12
